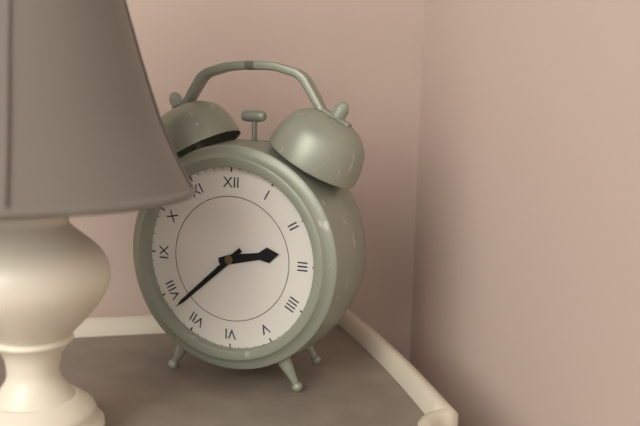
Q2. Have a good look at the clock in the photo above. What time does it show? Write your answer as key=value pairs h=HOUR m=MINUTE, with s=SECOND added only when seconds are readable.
h=2 m=38
